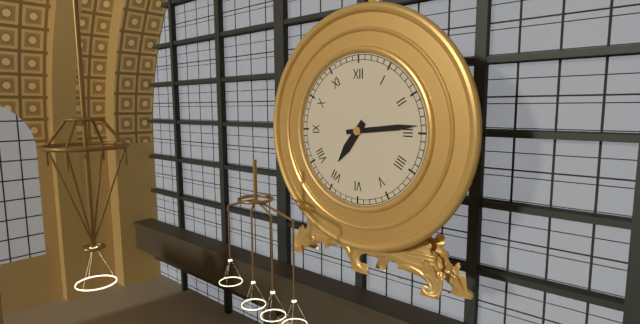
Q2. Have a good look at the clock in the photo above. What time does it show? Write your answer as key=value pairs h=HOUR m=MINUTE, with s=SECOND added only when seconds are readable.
h=7 m=14
